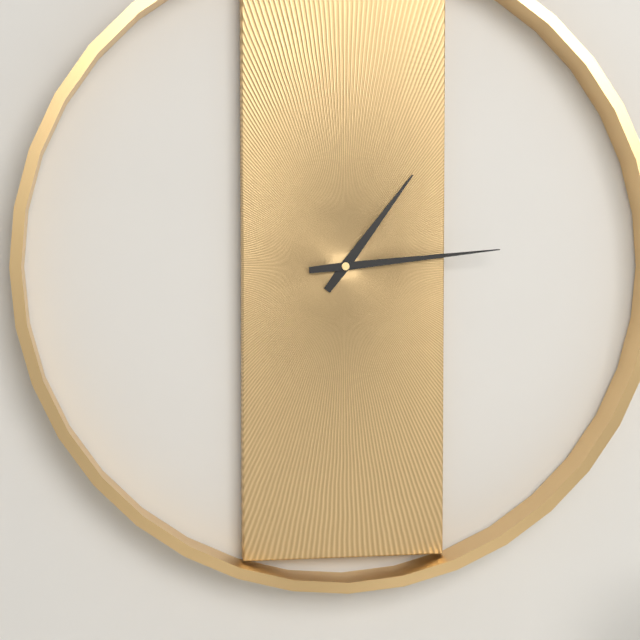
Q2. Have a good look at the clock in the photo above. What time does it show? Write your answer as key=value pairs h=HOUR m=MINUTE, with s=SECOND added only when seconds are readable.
h=1 m=14
